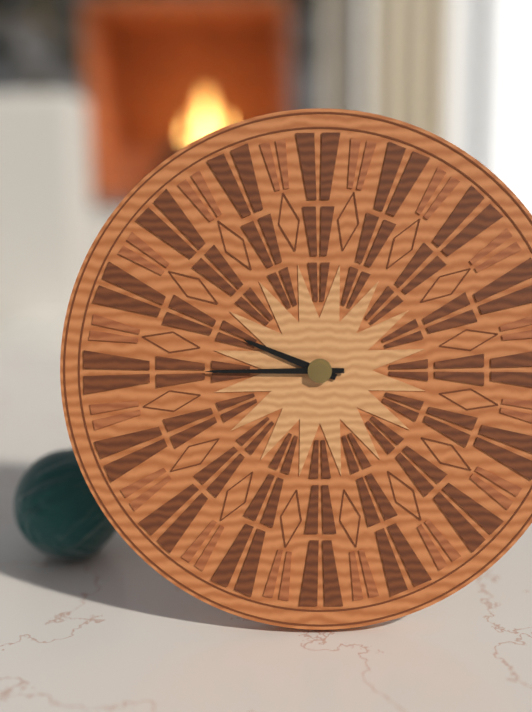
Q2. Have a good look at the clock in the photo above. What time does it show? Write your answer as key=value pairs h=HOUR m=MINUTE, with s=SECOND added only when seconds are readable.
h=9 m=45
